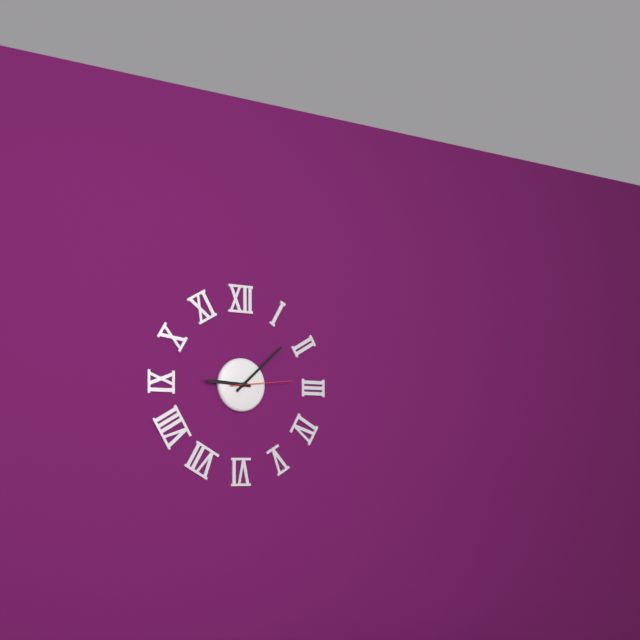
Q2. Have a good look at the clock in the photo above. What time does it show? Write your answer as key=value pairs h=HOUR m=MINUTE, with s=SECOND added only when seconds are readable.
h=9 m=8 s=14
